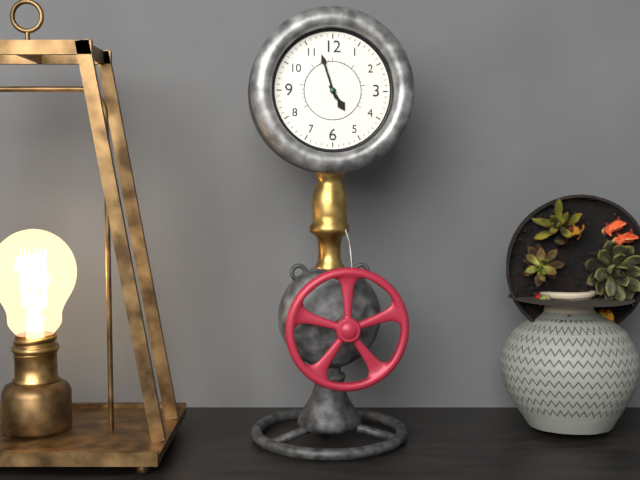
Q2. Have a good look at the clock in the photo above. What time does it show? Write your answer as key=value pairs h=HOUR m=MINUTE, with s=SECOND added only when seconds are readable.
h=4 m=57
